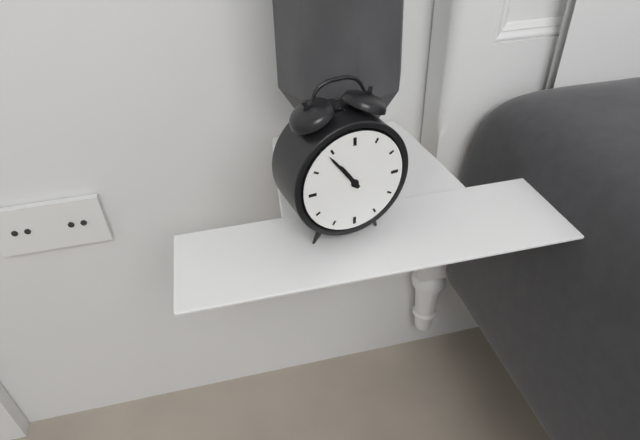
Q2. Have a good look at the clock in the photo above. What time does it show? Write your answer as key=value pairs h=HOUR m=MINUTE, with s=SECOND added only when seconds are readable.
h=10 m=54
